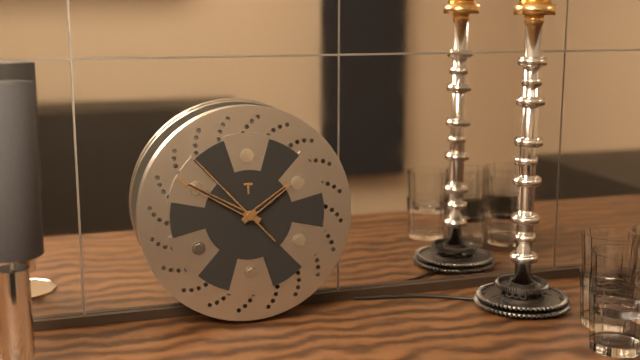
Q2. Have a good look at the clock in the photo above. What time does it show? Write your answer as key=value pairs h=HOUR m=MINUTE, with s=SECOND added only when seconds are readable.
h=1 m=50 s=53
